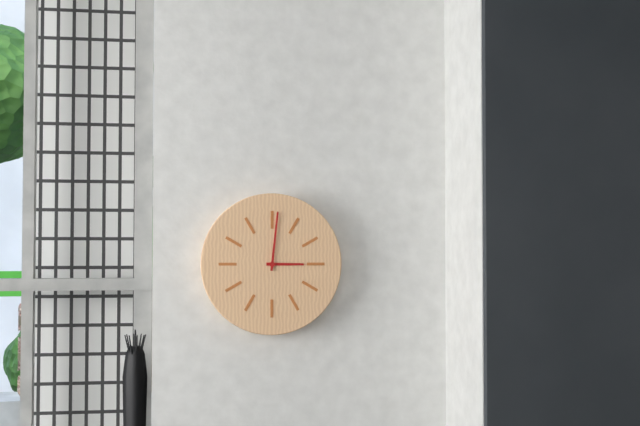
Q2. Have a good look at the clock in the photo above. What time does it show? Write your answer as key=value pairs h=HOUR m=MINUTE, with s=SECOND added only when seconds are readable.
h=3 m=1
